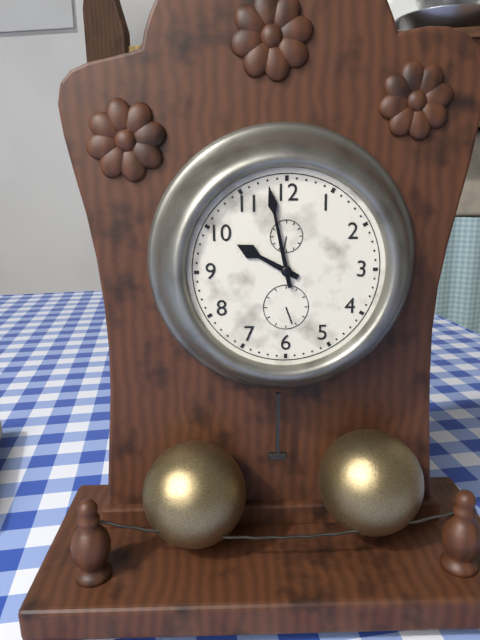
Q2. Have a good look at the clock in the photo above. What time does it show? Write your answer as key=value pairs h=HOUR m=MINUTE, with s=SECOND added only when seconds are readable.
h=9 m=58
